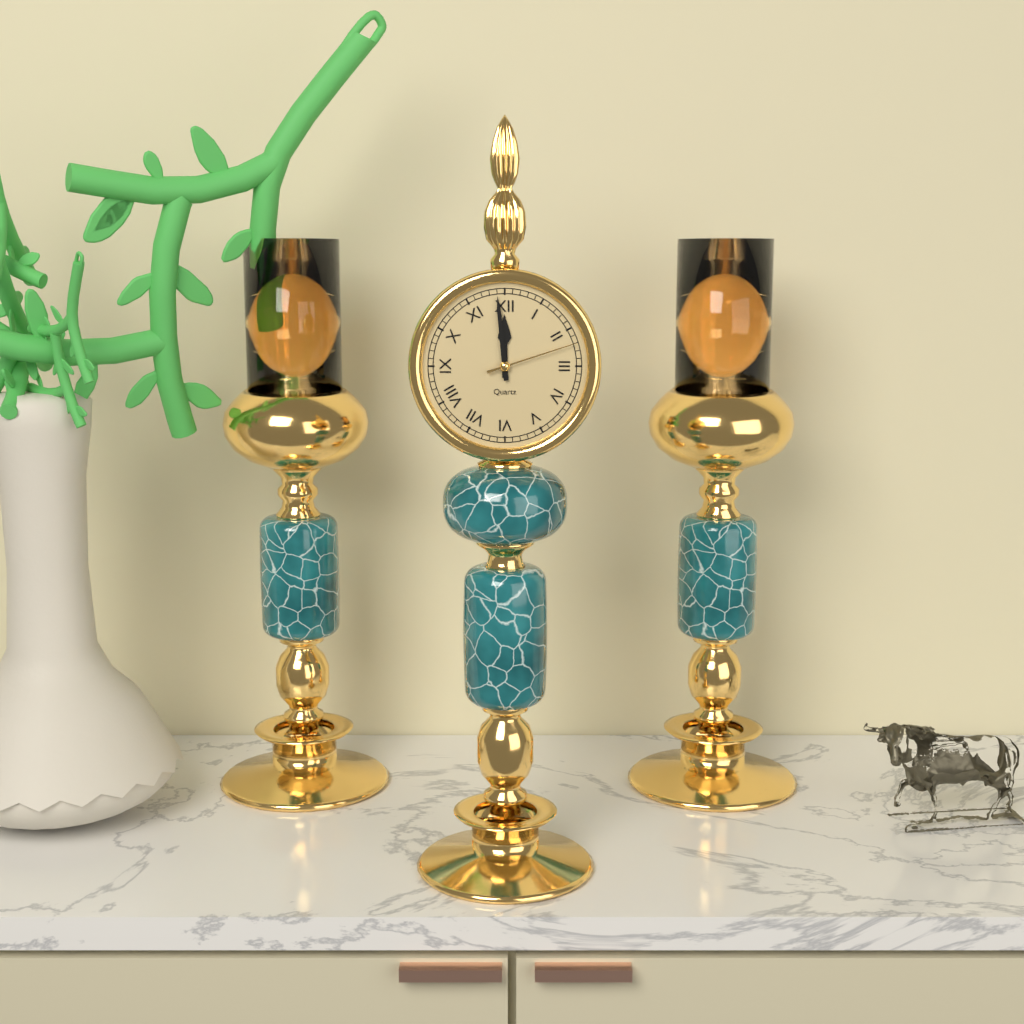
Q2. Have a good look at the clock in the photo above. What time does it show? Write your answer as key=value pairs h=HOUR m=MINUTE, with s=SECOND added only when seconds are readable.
h=11 m=59 s=12
